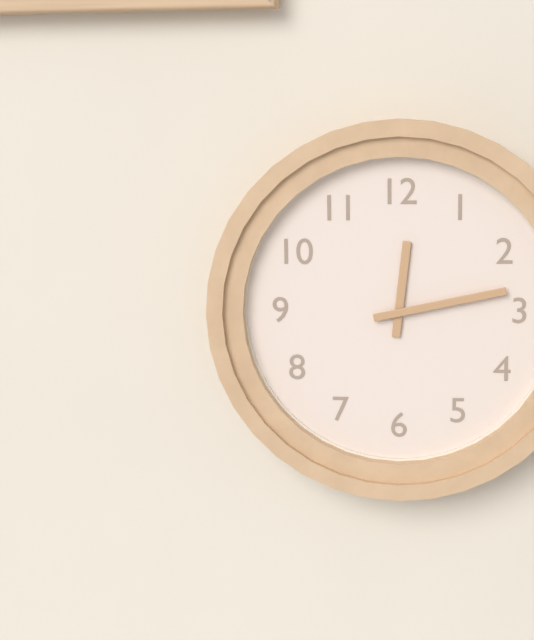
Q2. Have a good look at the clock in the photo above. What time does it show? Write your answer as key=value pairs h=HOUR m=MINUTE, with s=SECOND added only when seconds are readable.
h=12 m=13
